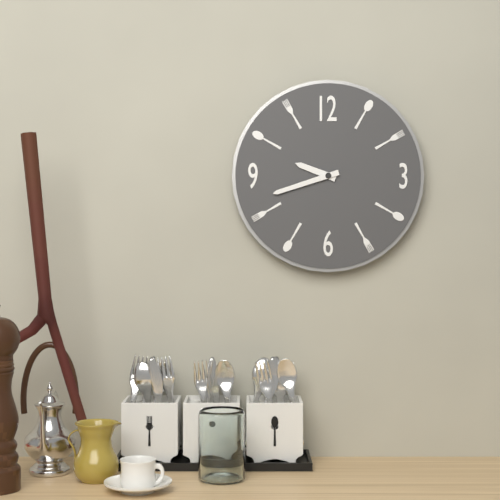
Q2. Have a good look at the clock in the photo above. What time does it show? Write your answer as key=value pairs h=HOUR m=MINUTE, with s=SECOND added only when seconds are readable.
h=9 m=42
